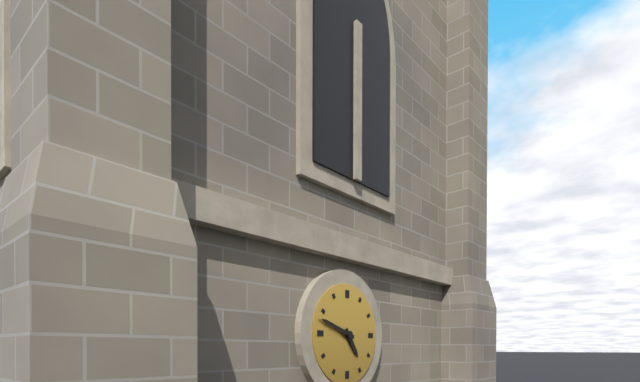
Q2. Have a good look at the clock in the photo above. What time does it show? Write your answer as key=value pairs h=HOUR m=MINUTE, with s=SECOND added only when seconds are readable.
h=4 m=48
